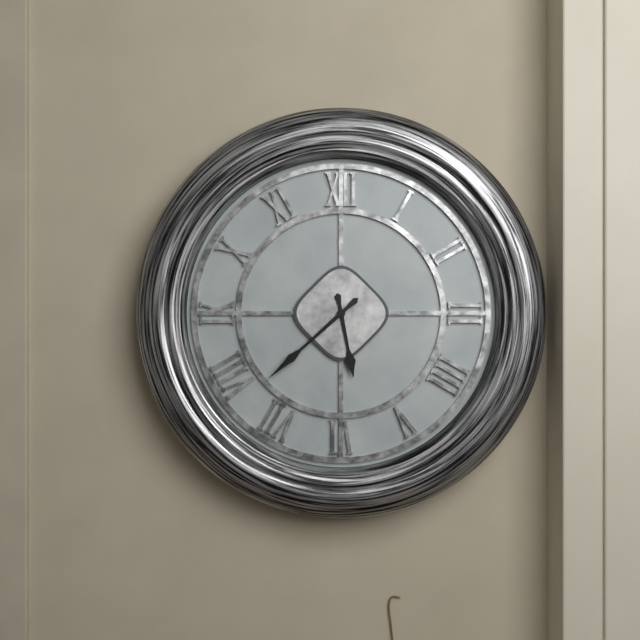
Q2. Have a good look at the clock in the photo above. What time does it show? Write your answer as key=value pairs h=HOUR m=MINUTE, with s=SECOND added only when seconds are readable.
h=5 m=38
